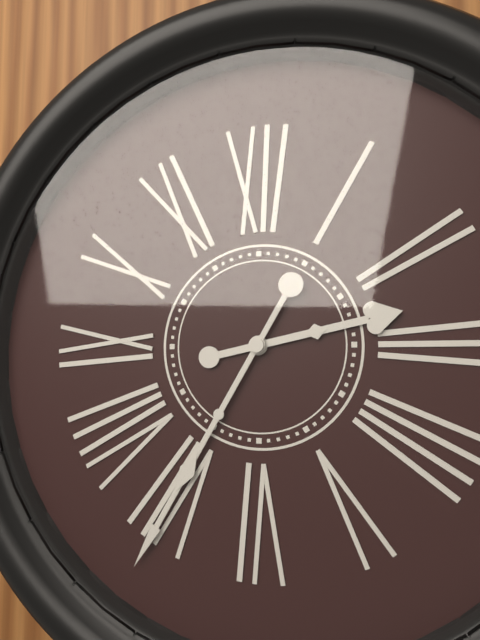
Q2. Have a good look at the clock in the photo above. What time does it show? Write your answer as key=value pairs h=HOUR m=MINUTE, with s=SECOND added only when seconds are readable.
h=2 m=35
